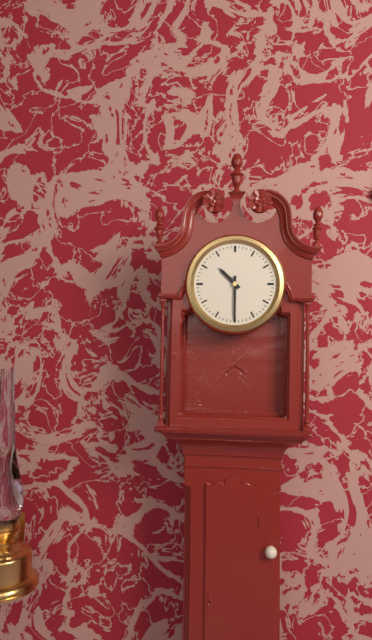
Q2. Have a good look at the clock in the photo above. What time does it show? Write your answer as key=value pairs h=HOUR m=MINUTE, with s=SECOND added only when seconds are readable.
h=10 m=30
